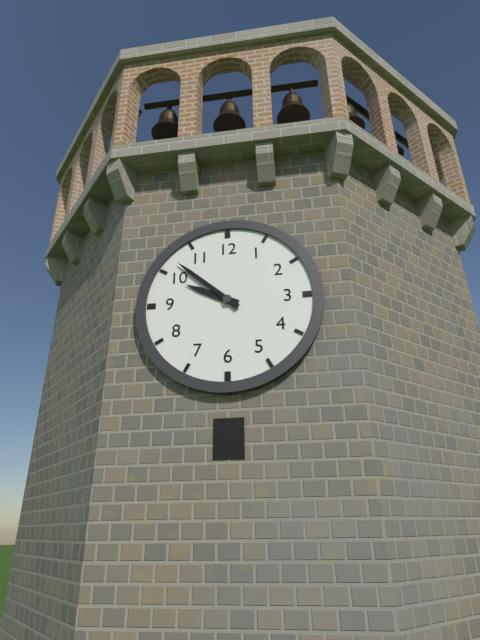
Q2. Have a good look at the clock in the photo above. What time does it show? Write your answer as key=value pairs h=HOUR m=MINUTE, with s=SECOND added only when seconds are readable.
h=9 m=52
